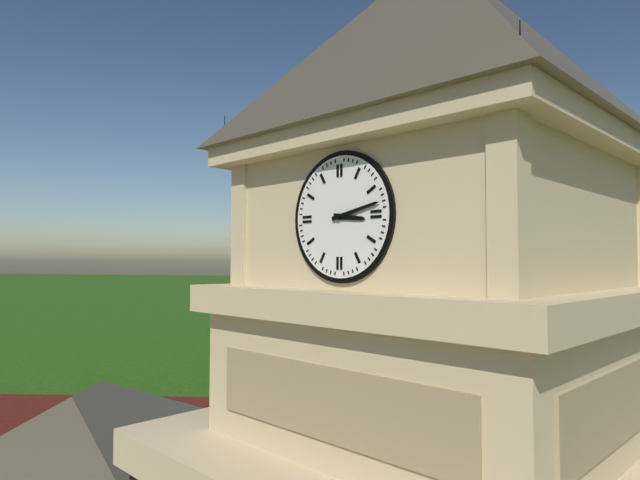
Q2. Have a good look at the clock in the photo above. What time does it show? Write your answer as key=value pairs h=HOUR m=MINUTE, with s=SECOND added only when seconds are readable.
h=3 m=13
